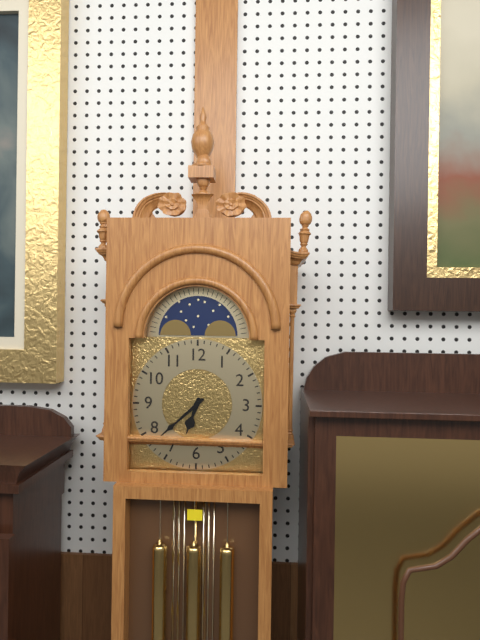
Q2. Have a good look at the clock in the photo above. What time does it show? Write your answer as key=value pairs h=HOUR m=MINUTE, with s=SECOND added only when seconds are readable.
h=6 m=38
